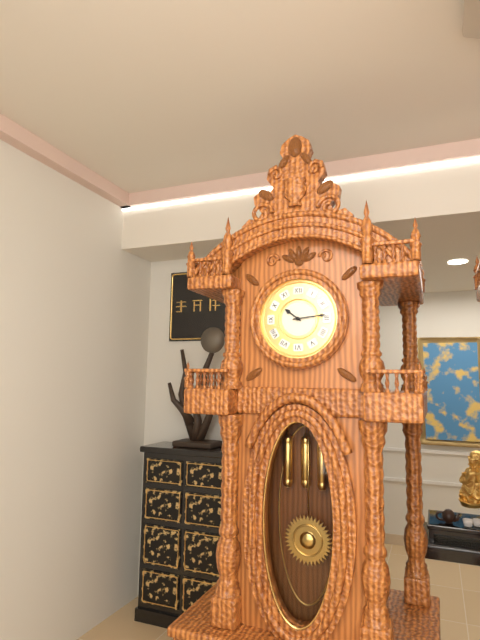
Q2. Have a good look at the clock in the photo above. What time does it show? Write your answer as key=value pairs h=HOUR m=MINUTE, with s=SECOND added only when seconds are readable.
h=10 m=14
